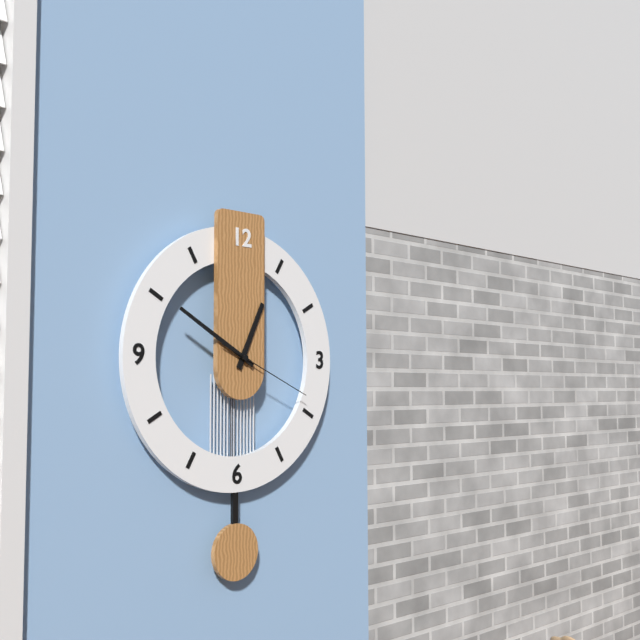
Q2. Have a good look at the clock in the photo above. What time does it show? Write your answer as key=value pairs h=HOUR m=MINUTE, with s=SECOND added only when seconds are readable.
h=12 m=50 s=19
